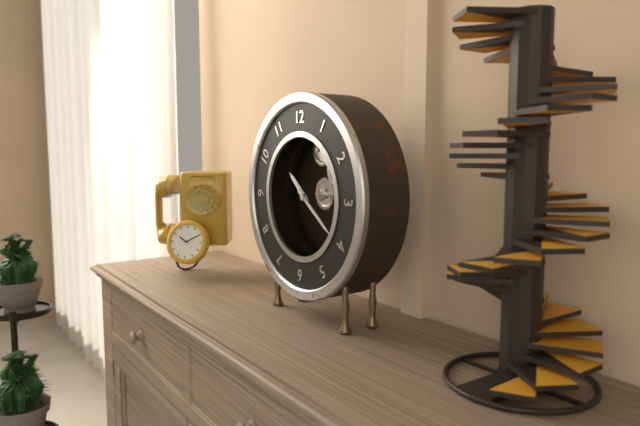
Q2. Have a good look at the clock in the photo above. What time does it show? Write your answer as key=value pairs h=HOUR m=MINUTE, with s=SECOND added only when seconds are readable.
h=10 m=21
